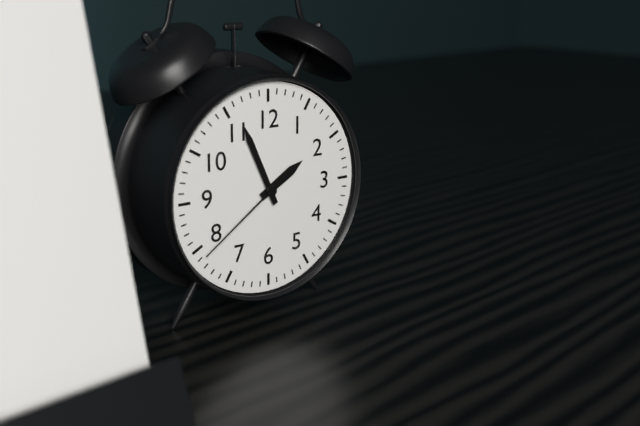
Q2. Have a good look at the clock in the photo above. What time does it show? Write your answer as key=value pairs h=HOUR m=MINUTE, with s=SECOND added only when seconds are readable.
h=1 m=56 s=39
